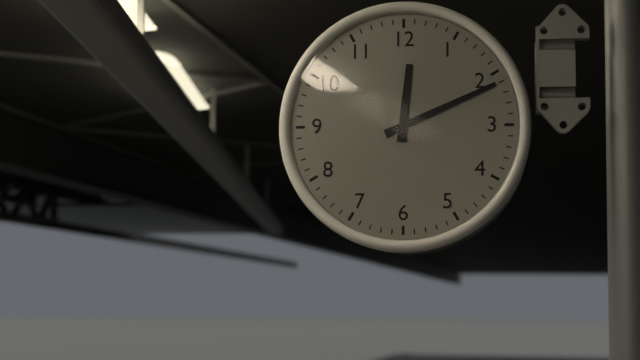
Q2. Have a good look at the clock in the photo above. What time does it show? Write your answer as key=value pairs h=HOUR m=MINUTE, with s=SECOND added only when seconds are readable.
h=12 m=11
